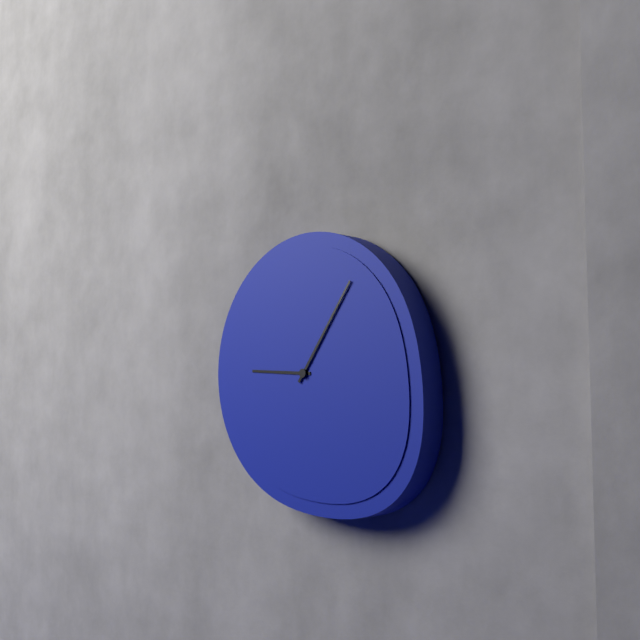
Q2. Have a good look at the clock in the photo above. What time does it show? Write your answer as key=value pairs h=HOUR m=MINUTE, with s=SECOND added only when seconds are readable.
h=9 m=6
